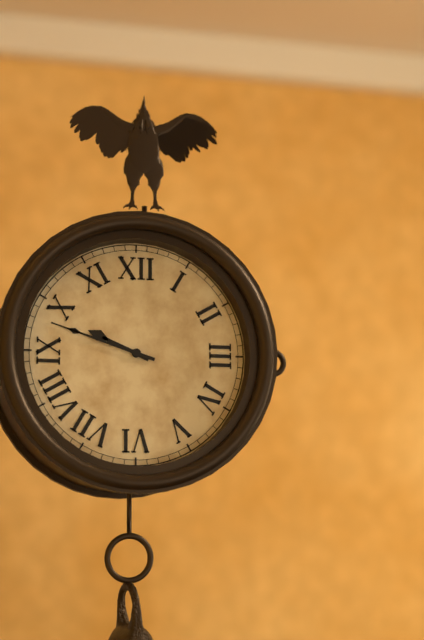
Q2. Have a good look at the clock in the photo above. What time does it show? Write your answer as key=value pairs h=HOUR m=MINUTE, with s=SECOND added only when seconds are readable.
h=9 m=48
